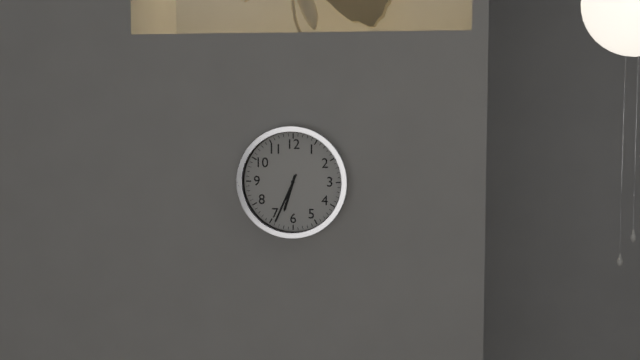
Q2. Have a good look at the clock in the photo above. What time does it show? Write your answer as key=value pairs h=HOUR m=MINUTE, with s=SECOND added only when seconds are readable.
h=6 m=34
